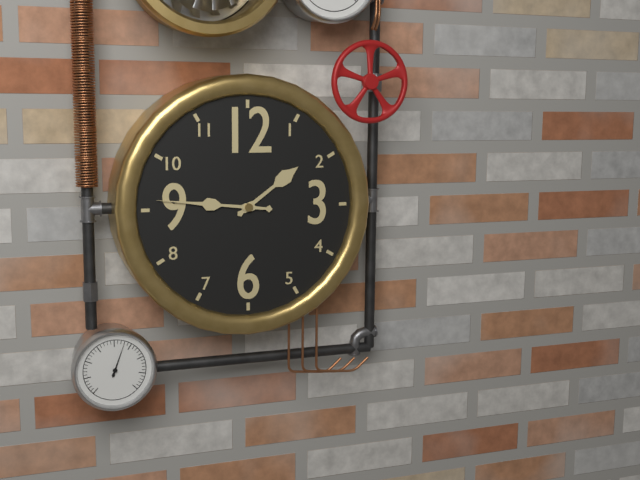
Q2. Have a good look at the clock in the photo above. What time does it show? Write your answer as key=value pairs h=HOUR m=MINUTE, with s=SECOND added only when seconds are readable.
h=1 m=46
